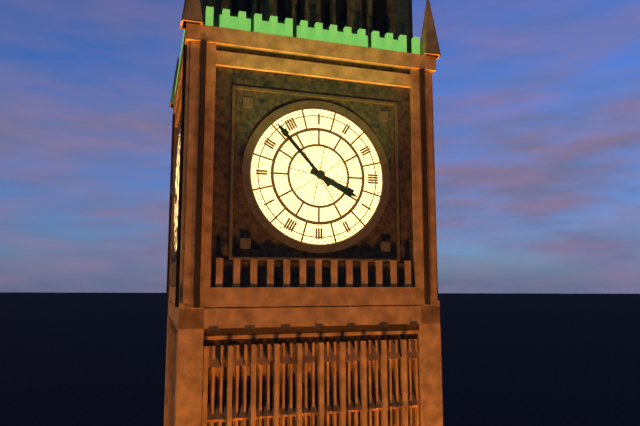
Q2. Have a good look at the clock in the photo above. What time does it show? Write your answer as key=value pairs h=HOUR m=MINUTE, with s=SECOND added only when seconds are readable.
h=3 m=53
